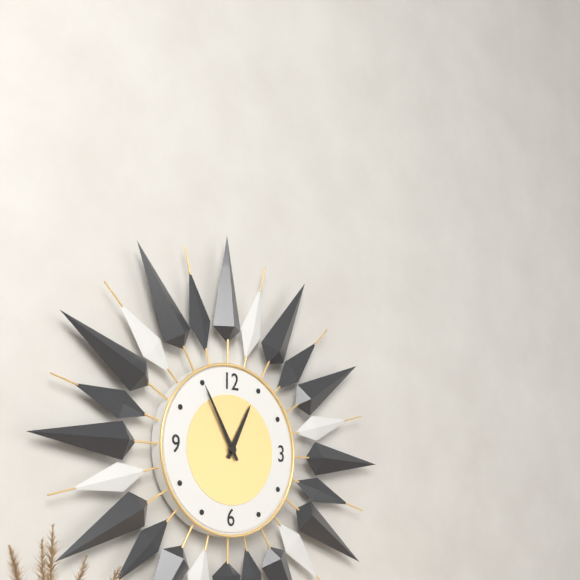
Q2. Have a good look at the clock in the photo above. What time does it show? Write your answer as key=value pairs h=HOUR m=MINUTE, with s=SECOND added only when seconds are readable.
h=12 m=55
